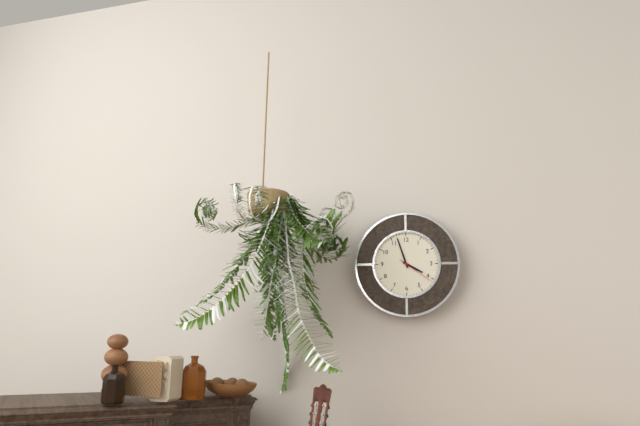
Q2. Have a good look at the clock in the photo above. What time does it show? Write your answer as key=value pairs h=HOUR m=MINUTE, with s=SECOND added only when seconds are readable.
h=3 m=57
